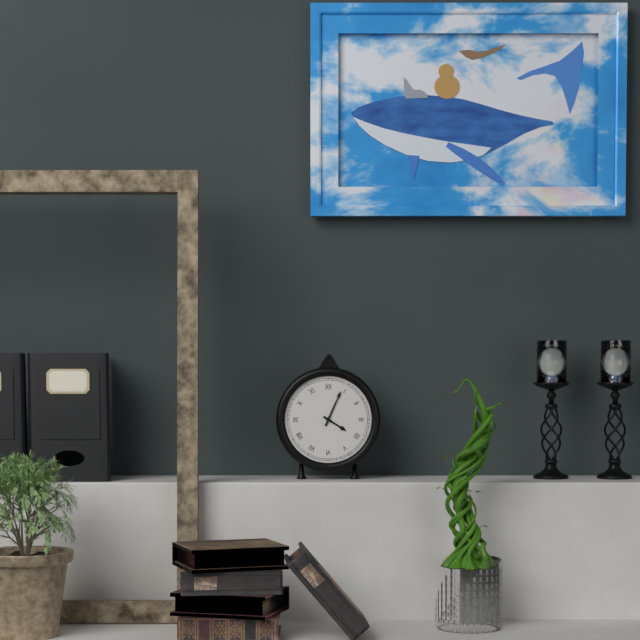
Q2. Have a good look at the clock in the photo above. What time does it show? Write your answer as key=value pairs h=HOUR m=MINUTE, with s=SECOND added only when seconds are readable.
h=4 m=4
